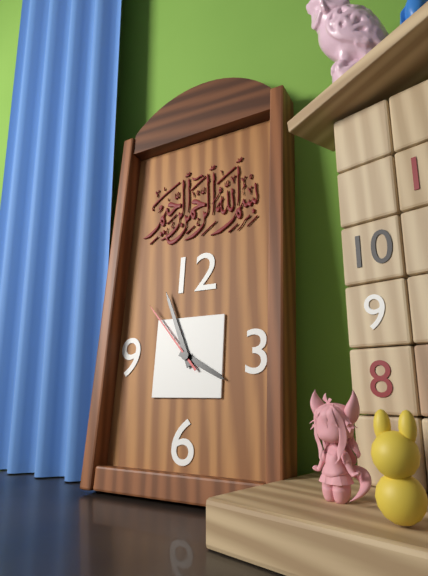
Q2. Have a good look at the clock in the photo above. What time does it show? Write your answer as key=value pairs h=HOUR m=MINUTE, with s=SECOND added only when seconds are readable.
h=3 m=56 s=53
